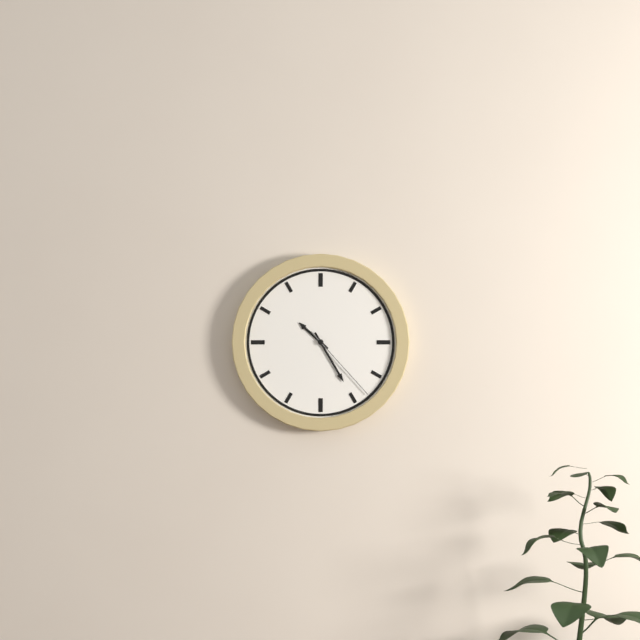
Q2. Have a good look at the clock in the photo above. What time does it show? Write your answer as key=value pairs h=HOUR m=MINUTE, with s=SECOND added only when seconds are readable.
h=10 m=25 s=23
